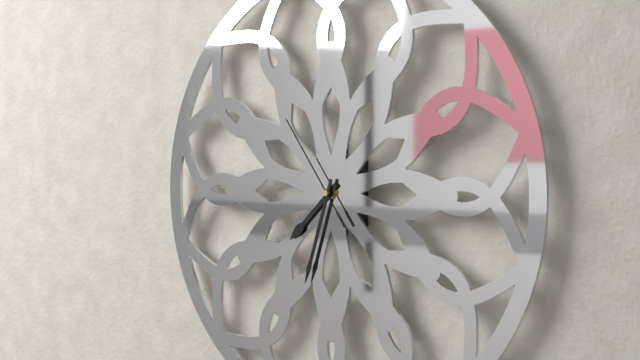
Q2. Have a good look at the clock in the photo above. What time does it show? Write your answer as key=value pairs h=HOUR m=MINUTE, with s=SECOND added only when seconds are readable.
h=7 m=33 s=54
